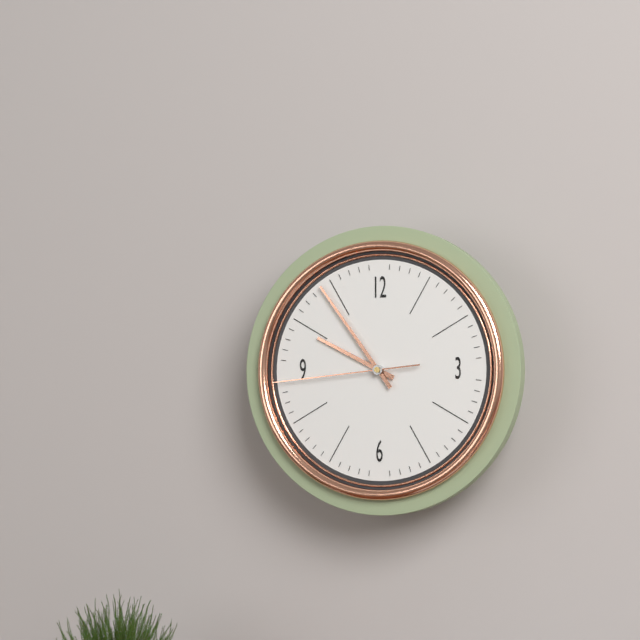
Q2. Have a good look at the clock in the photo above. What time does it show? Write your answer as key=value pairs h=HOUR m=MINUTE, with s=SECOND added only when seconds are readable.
h=9 m=54 s=44
